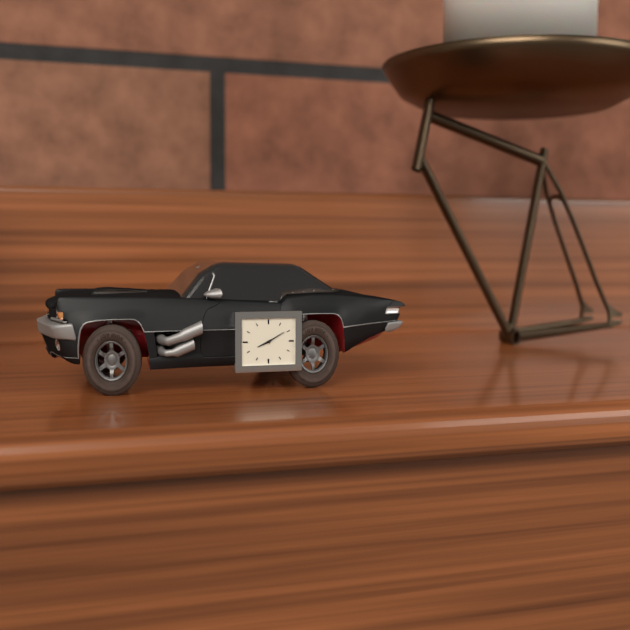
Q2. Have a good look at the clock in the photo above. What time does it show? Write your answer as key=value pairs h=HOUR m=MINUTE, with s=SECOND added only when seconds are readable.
h=8 m=10
